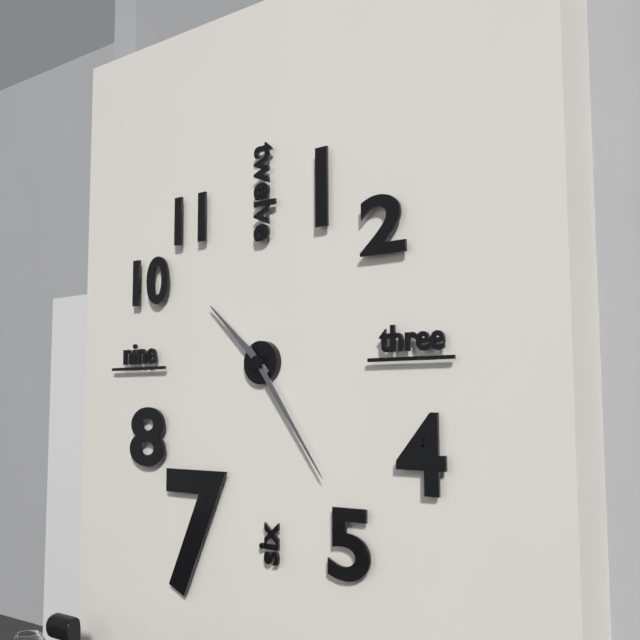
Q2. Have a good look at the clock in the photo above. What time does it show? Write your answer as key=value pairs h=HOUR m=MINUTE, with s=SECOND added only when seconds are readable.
h=10 m=24
